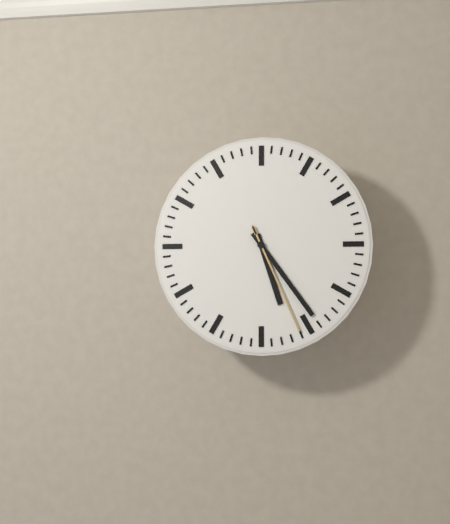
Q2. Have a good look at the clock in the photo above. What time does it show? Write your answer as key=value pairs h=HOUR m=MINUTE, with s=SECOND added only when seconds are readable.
h=5 m=24 s=26
